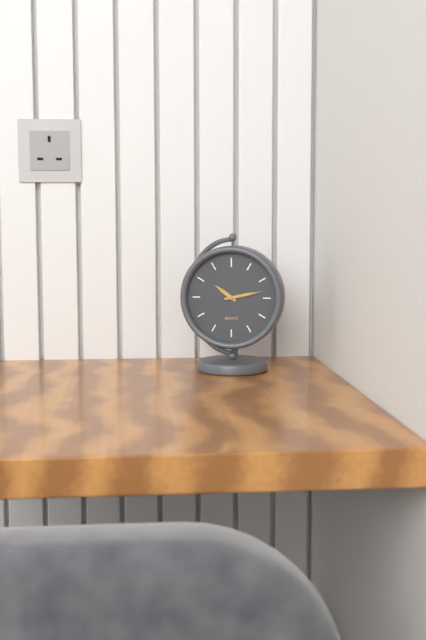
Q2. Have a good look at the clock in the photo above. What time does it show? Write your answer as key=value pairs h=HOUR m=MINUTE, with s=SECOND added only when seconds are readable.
h=10 m=13
